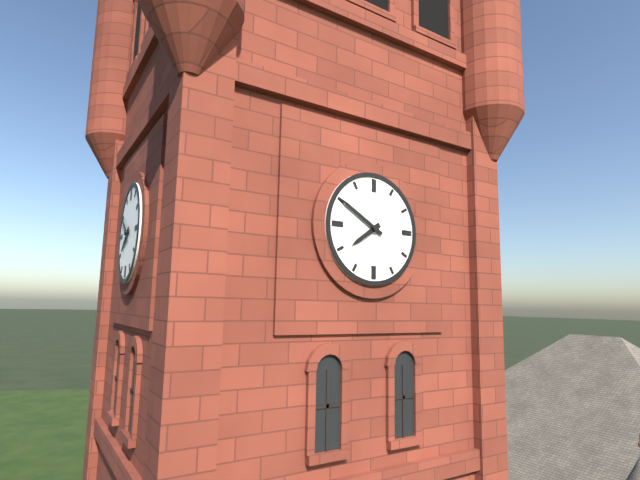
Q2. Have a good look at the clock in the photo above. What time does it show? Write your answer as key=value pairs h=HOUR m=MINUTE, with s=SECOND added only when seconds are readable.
h=7 m=50
